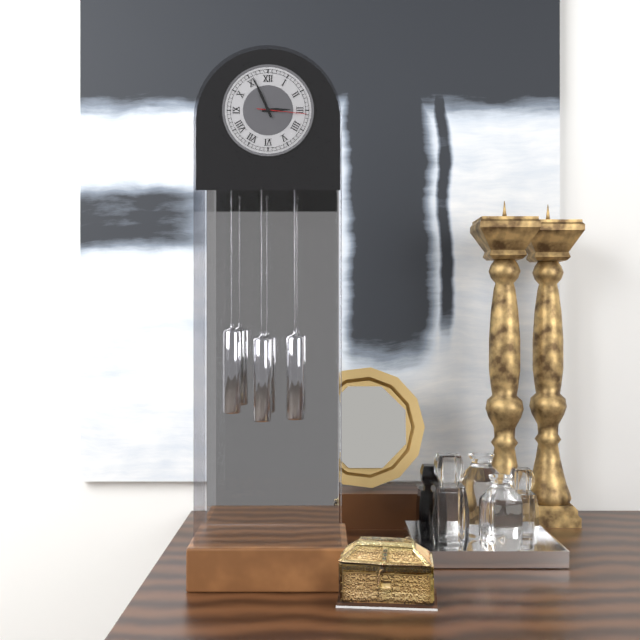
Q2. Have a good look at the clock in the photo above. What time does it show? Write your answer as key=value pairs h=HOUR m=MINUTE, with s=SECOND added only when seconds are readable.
h=2 m=56
